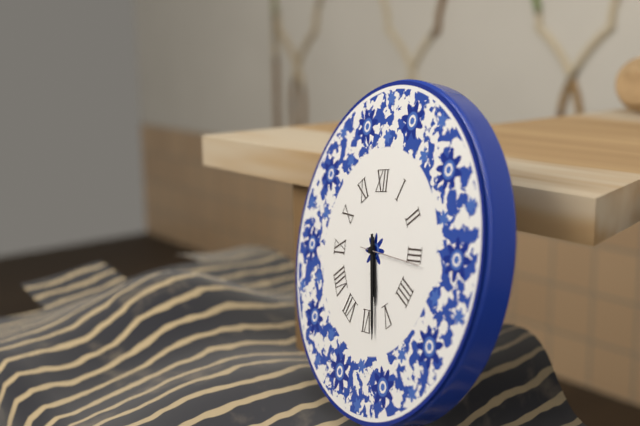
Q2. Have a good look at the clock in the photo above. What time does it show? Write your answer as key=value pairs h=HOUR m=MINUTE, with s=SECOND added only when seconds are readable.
h=5 m=28 s=16
